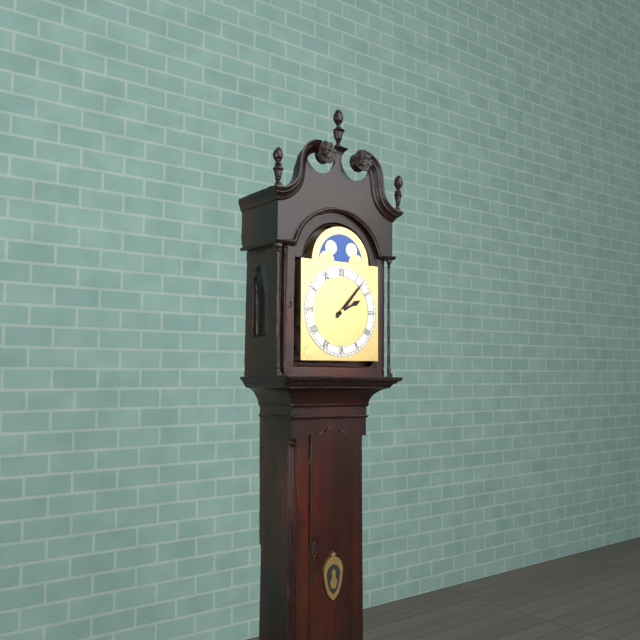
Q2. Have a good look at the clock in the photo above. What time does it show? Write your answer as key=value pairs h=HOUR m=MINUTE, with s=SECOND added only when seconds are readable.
h=2 m=7
